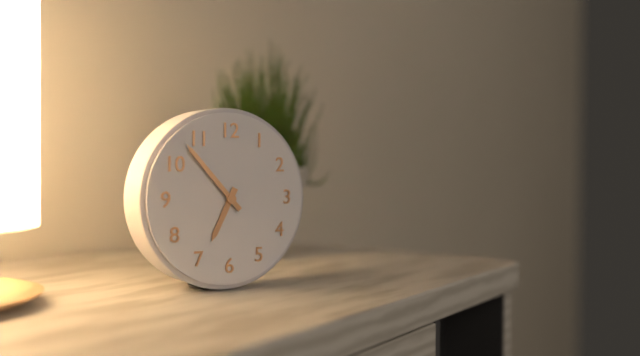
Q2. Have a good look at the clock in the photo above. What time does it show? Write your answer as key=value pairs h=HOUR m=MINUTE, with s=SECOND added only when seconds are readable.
h=6 m=53
